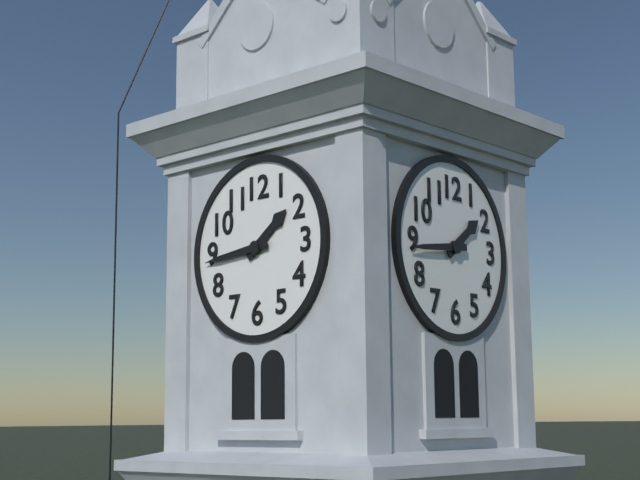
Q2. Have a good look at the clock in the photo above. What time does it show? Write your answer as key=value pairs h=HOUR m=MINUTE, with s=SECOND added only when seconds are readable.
h=1 m=44
